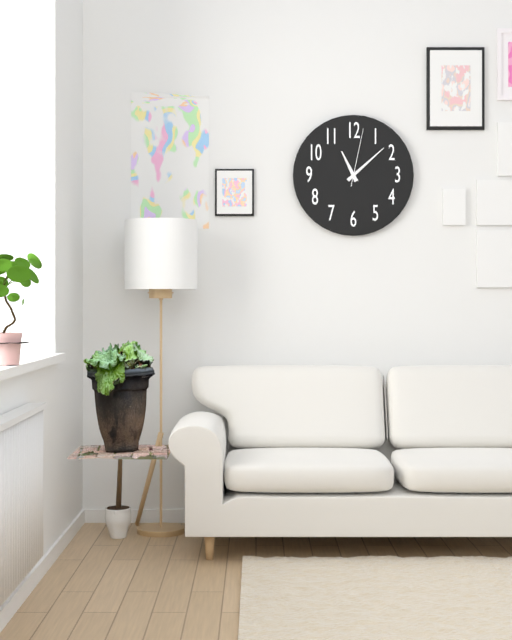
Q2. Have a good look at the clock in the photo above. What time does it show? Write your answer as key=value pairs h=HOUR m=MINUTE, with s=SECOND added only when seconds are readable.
h=11 m=8 s=2
